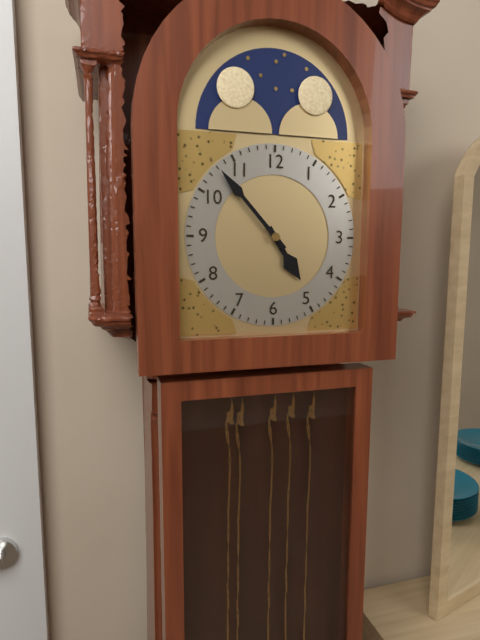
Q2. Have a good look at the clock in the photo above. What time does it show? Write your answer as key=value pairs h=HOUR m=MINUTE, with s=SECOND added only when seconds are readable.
h=4 m=53
